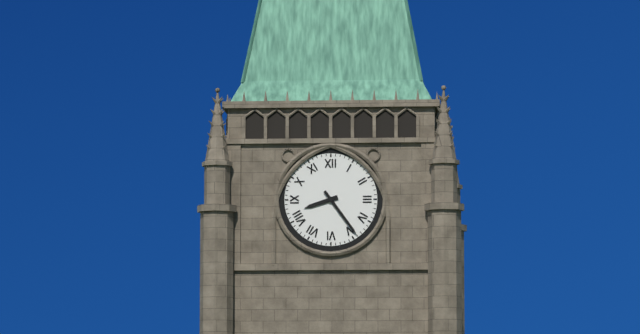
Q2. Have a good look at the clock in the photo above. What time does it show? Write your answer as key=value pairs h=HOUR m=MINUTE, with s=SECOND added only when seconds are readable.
h=8 m=24
